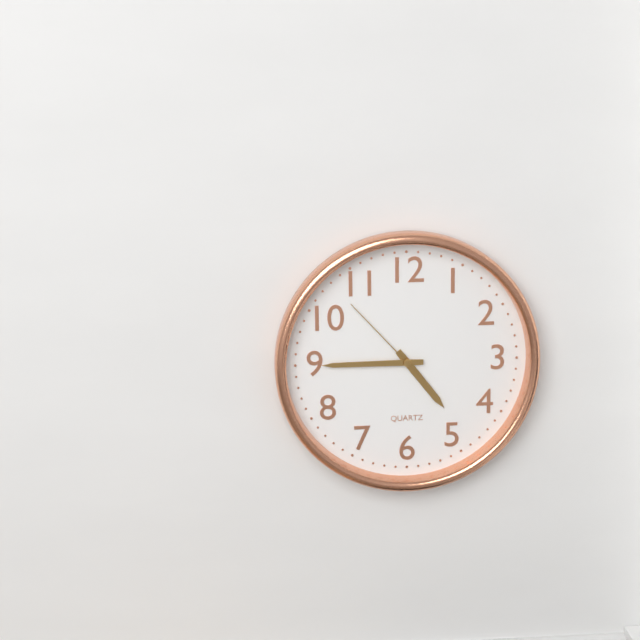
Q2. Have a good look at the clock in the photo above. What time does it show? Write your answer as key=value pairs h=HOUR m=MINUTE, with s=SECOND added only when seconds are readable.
h=4 m=45 s=53
